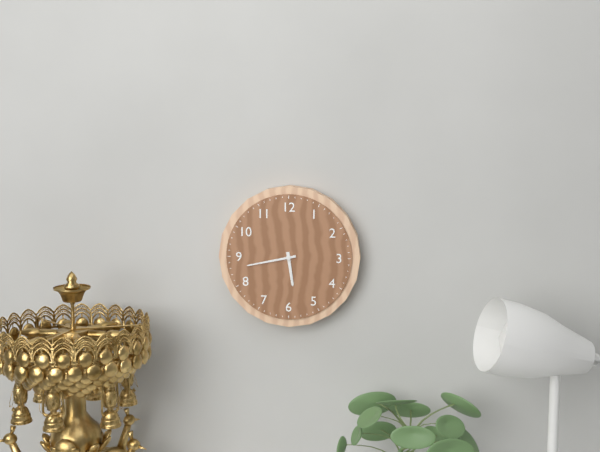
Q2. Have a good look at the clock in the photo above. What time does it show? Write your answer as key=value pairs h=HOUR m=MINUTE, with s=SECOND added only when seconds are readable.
h=5 m=43
